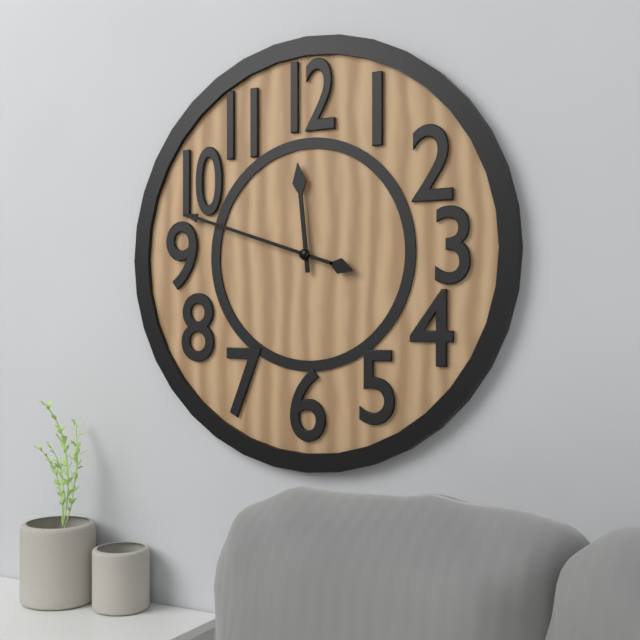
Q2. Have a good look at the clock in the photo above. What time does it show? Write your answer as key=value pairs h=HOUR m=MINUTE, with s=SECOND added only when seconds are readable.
h=11 m=48
